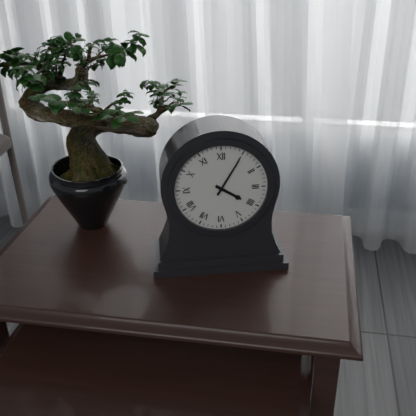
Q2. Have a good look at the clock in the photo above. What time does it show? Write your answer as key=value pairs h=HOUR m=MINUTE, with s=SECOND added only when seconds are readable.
h=4 m=5
